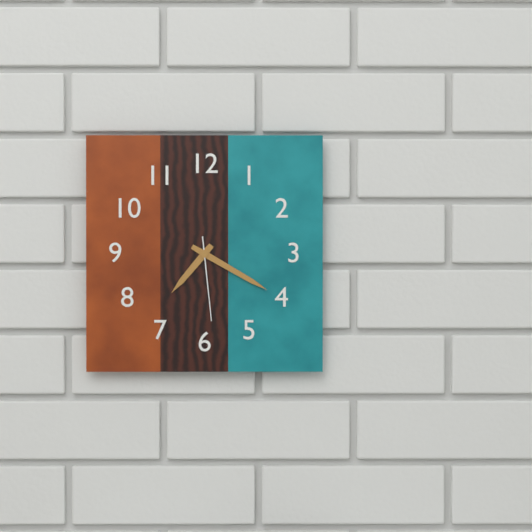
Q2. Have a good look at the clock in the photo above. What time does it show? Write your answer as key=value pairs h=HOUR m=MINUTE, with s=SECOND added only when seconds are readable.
h=7 m=20 s=29
